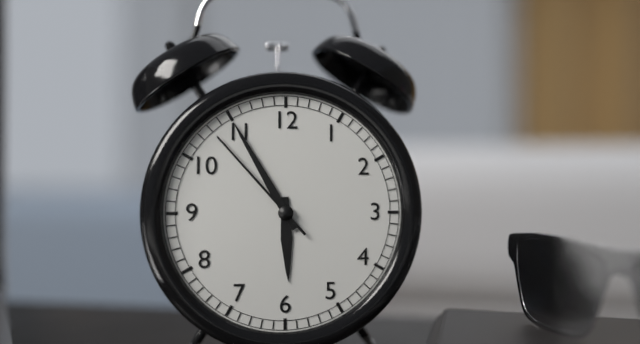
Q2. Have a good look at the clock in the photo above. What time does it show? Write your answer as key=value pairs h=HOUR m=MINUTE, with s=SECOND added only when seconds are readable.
h=5 m=55 s=53
